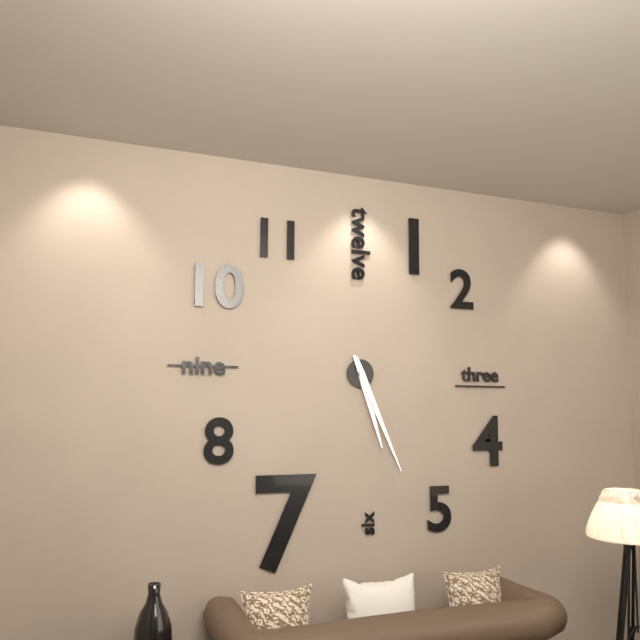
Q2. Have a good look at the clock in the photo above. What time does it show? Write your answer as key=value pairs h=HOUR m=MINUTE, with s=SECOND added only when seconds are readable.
h=5 m=26
